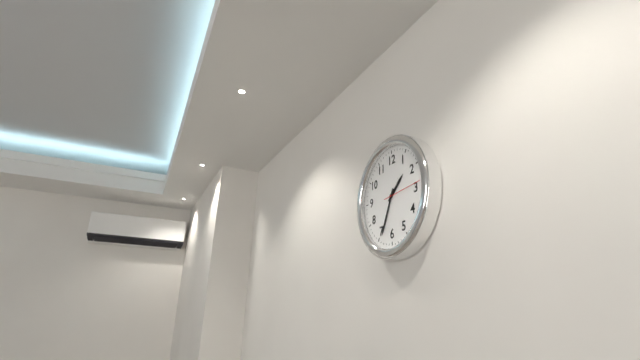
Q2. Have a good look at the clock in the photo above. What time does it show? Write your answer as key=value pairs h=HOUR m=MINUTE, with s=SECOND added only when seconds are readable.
h=1 m=34
